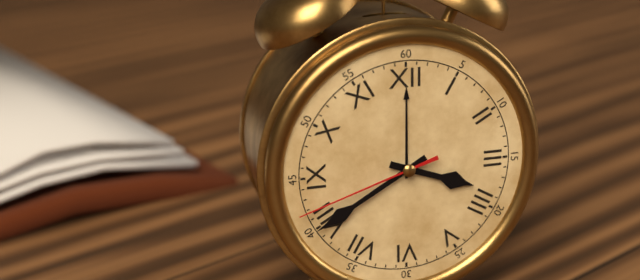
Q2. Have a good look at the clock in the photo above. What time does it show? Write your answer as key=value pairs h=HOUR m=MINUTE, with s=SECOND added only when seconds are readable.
h=3 m=40 s=42
